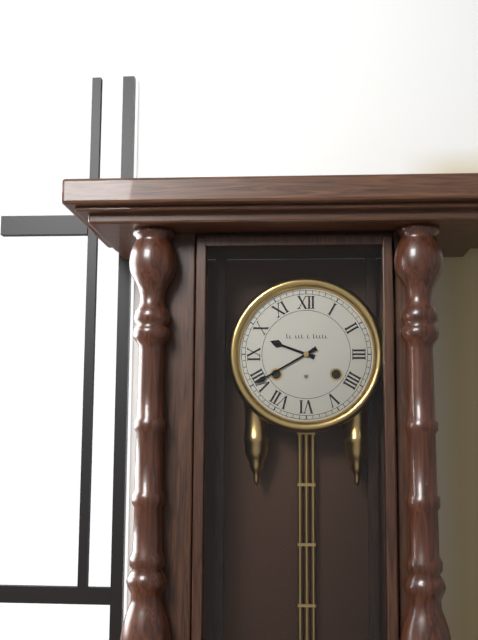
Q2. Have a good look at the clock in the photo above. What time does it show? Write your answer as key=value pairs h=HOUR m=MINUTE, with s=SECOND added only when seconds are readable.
h=9 m=40
